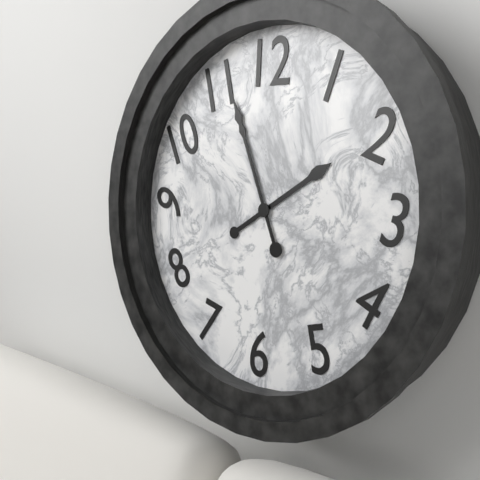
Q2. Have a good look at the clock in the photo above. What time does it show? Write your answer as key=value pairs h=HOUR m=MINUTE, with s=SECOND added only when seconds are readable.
h=1 m=56
